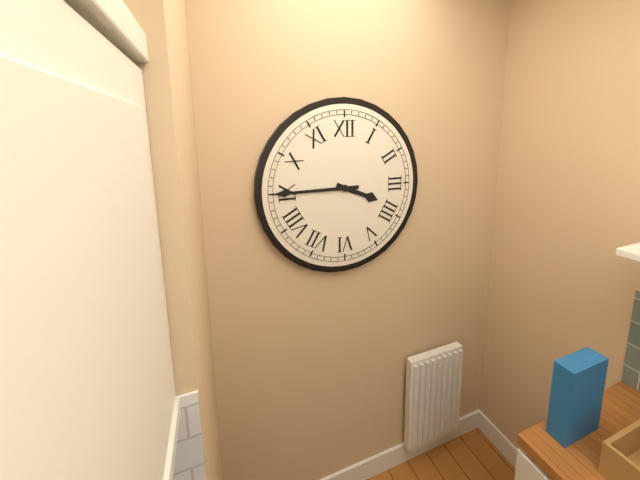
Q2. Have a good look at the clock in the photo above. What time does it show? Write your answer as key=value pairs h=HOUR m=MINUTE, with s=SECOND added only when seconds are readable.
h=3 m=45
